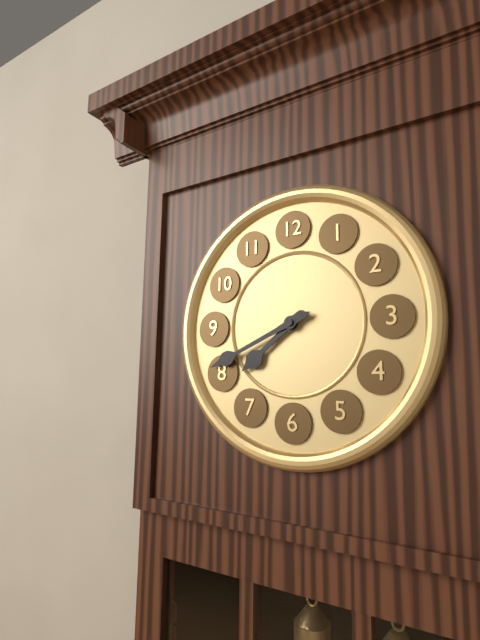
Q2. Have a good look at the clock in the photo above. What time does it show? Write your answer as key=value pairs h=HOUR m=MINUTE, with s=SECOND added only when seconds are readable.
h=7 m=41
